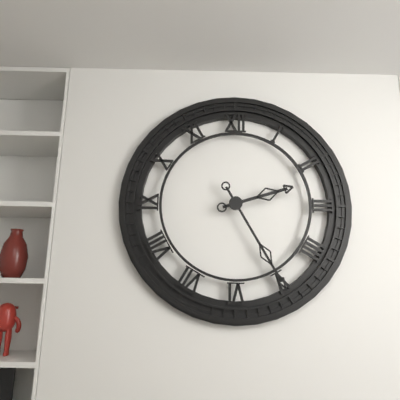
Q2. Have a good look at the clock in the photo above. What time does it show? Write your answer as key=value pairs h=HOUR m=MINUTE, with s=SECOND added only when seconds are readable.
h=2 m=25
